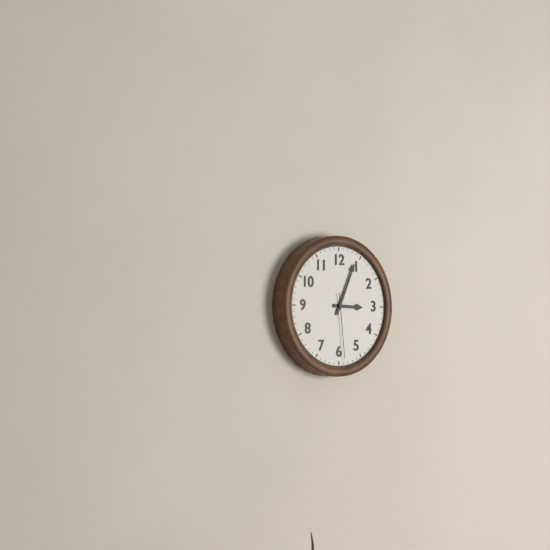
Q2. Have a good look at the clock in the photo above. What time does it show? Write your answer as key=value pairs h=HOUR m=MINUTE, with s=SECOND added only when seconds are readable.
h=3 m=4 s=29
